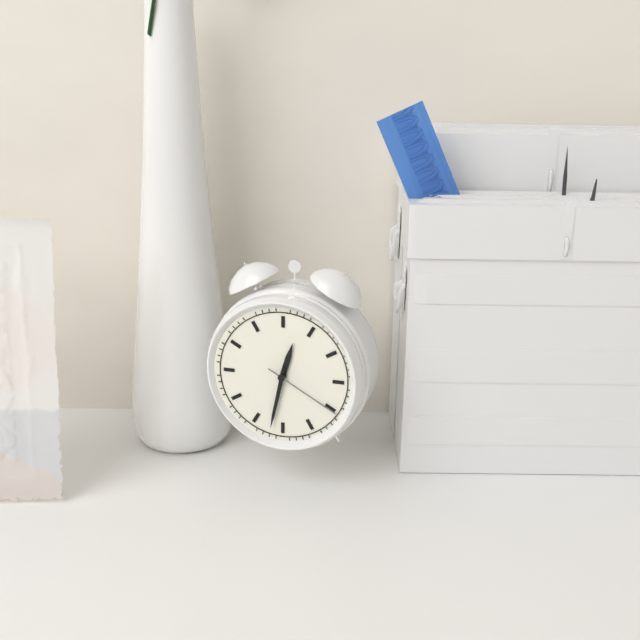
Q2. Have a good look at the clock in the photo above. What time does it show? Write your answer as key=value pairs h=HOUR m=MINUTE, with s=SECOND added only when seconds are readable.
h=12 m=32 s=20
